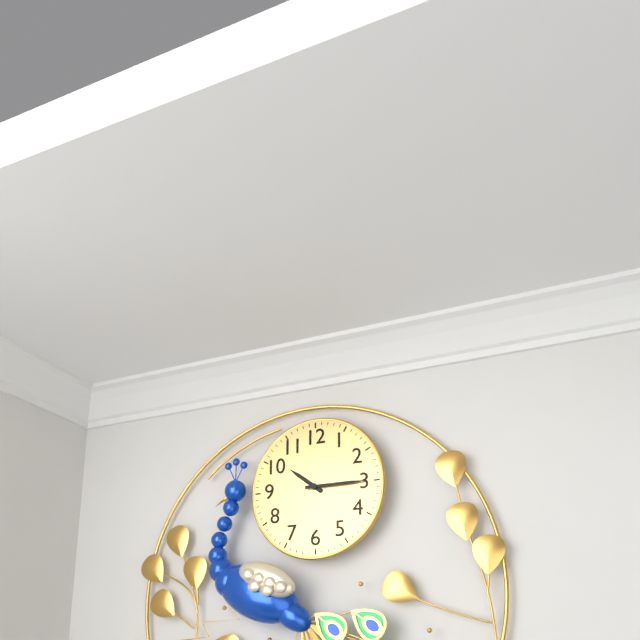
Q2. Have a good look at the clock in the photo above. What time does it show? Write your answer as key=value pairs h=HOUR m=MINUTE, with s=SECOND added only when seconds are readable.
h=10 m=15
